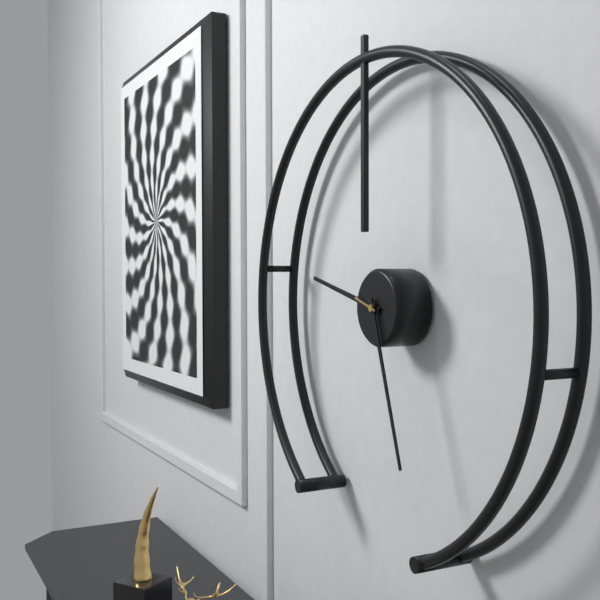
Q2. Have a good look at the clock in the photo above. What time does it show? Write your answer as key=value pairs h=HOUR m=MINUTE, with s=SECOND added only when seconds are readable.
h=9 m=27
